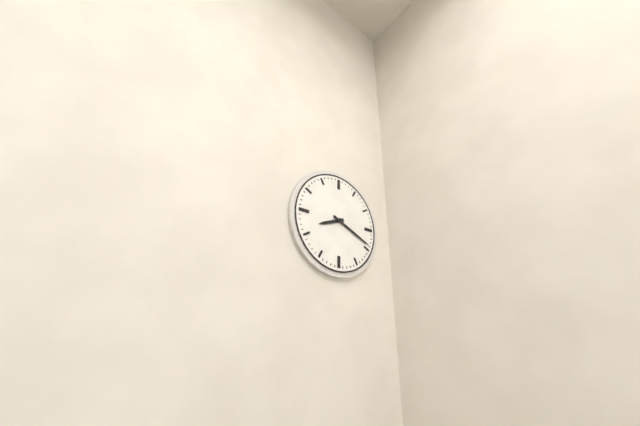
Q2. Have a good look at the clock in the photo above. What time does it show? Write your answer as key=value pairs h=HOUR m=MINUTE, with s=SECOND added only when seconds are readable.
h=8 m=19
